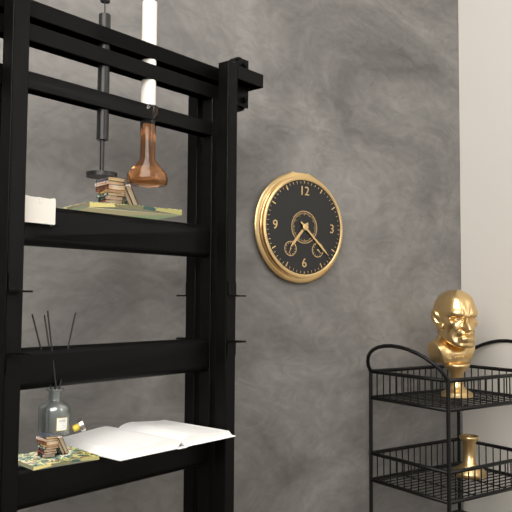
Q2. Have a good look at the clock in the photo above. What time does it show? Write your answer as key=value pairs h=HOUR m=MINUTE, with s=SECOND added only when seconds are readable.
h=7 m=22
